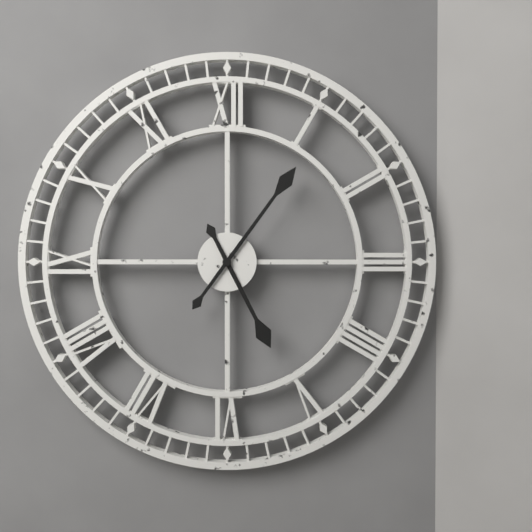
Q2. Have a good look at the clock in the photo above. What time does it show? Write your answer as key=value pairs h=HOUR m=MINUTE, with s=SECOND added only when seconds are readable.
h=5 m=6
